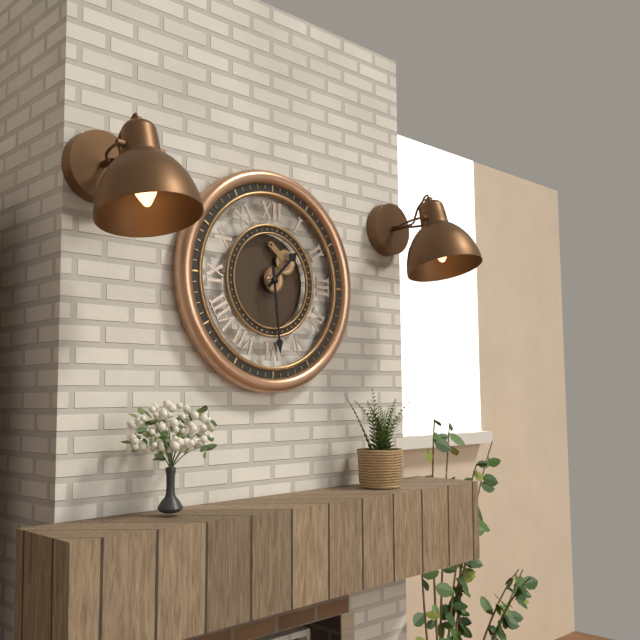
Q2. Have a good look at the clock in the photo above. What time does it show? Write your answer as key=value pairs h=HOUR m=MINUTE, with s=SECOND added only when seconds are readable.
h=1 m=29
